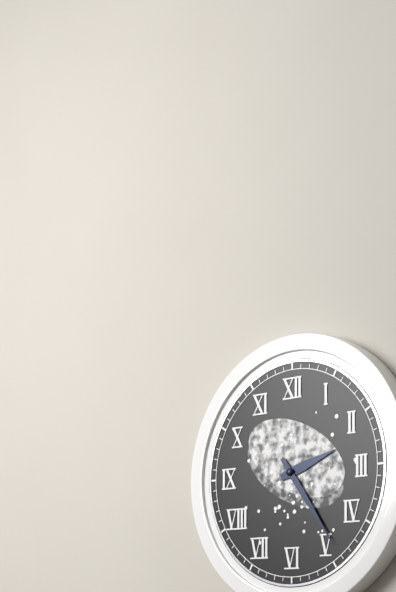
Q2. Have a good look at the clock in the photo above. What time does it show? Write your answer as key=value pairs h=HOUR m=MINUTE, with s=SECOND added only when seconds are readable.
h=2 m=24
